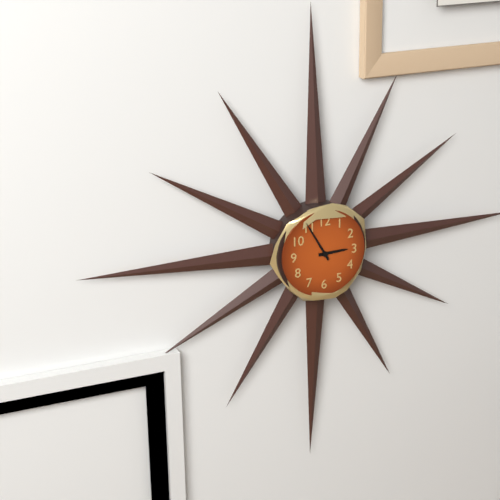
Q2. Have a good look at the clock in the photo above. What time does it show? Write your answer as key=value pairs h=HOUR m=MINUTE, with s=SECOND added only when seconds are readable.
h=2 m=55
